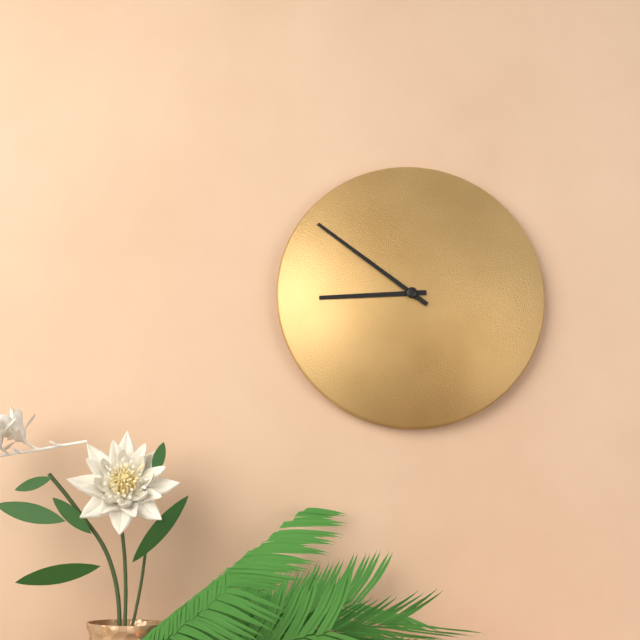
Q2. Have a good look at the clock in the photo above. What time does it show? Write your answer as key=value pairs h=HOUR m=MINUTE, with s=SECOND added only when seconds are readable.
h=8 m=51
